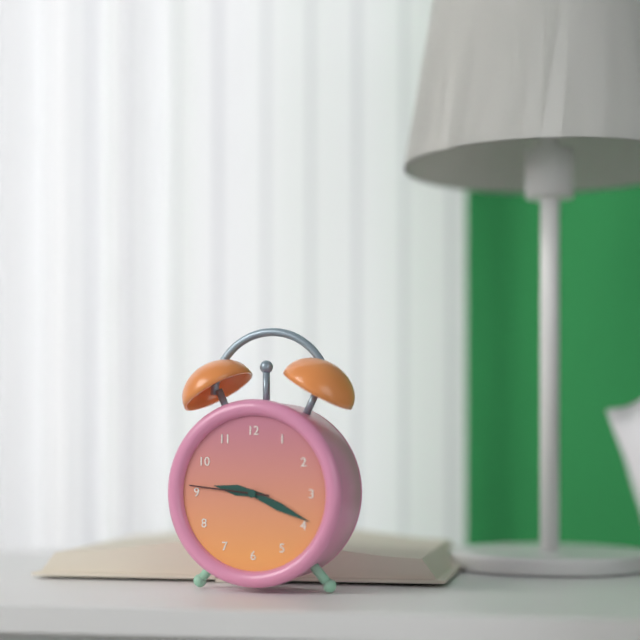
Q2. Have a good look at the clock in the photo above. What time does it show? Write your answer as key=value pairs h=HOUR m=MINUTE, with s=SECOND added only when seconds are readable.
h=9 m=19 s=46
